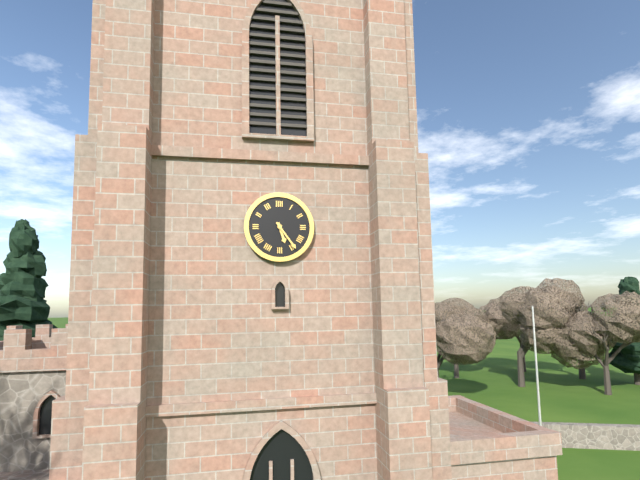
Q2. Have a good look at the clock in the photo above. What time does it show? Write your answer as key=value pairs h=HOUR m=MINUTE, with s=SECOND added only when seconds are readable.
h=5 m=24
